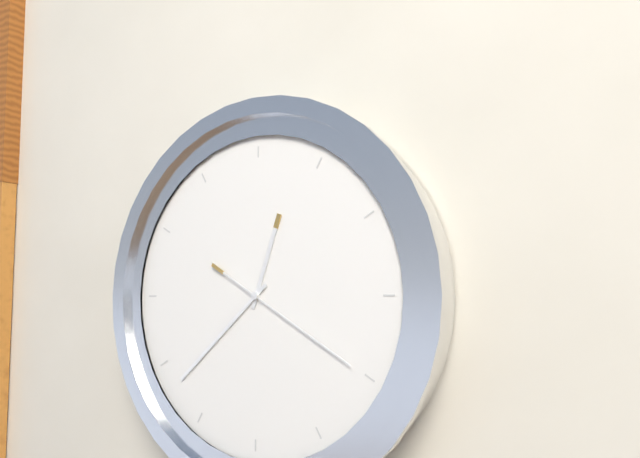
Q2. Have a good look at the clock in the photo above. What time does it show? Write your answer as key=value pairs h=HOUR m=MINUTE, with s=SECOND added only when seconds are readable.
h=12 m=38 s=20
